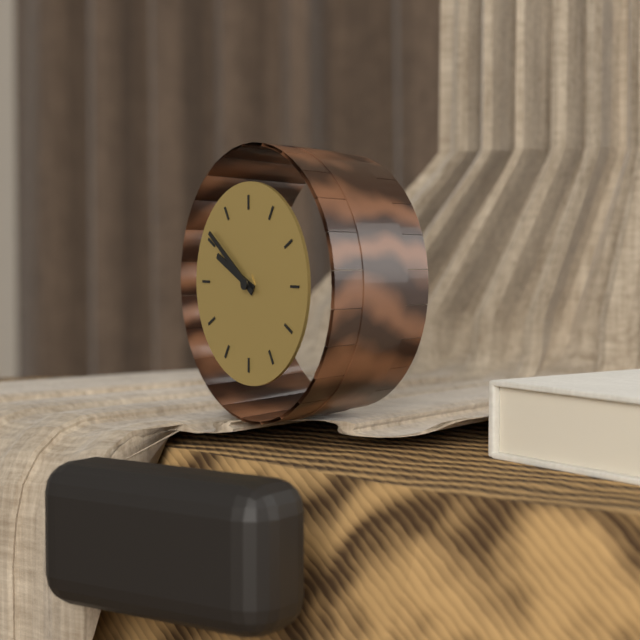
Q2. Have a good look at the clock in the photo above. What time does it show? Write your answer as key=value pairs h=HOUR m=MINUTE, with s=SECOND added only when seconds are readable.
h=9 m=51
